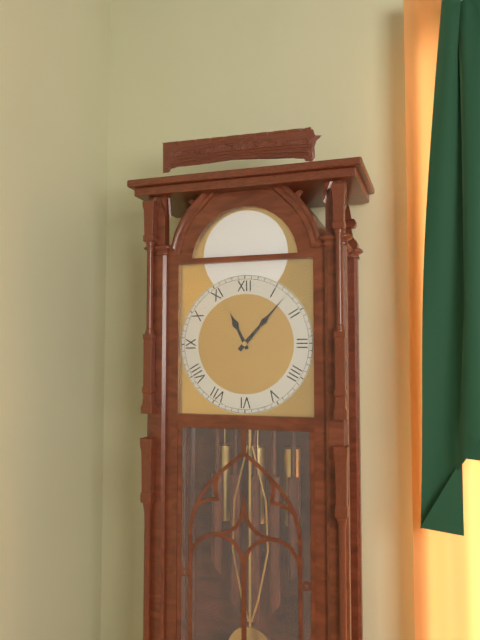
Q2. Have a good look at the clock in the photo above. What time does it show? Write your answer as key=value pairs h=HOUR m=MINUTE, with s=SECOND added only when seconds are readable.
h=11 m=7
